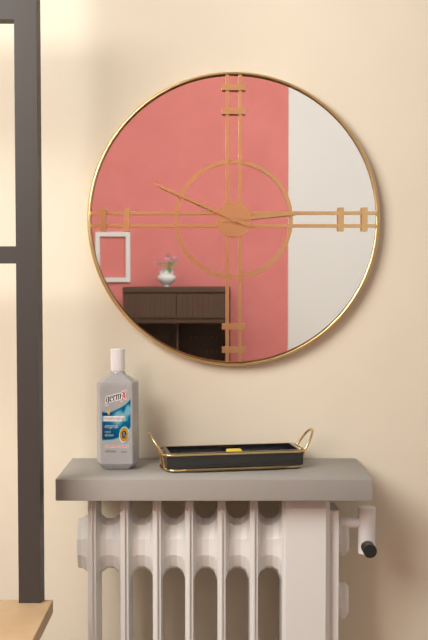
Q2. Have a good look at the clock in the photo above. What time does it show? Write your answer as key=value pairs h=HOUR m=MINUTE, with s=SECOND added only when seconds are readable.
h=2 m=49
